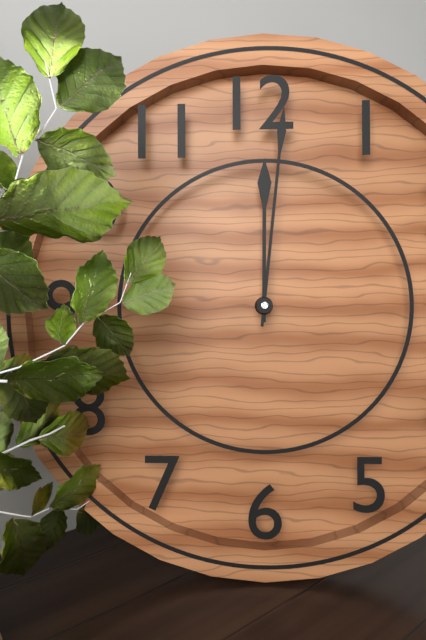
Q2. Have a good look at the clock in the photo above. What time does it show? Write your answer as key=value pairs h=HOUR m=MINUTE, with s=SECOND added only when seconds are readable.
h=12 m=1
